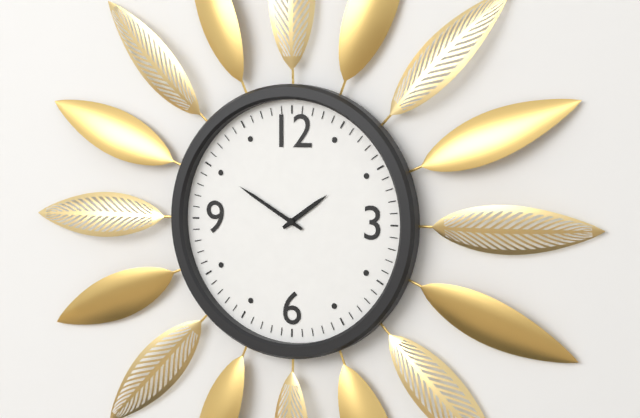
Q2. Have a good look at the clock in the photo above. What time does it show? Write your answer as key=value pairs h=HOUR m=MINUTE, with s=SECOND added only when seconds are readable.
h=1 m=50
